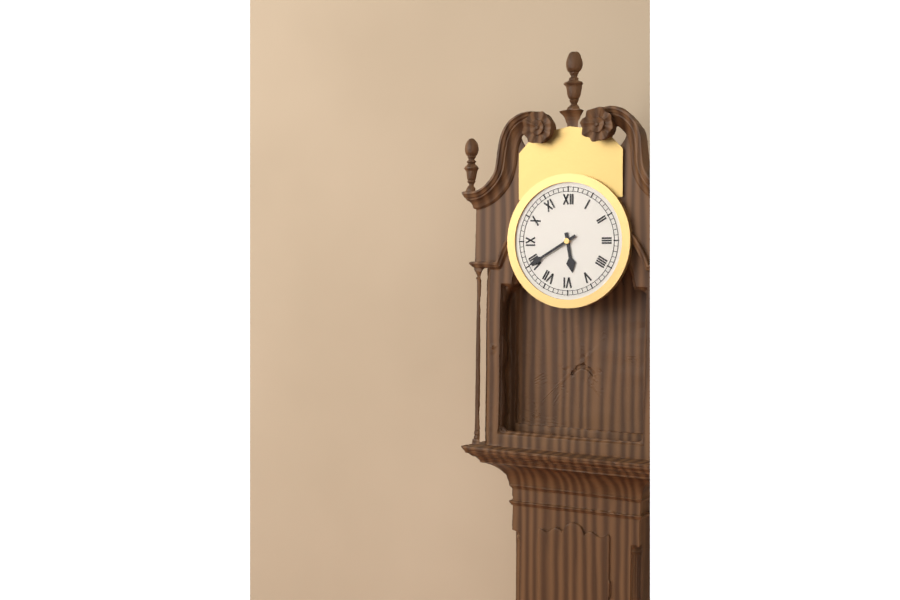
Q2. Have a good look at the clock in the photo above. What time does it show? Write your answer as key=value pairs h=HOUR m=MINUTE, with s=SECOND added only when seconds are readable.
h=5 m=40
